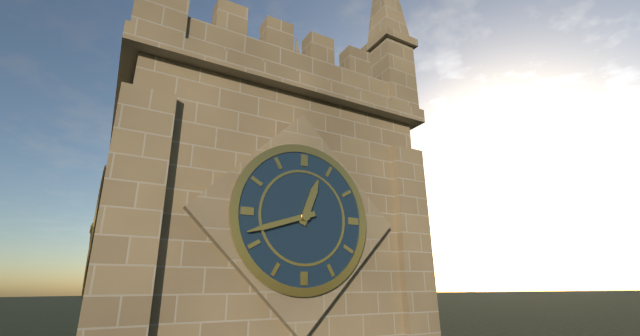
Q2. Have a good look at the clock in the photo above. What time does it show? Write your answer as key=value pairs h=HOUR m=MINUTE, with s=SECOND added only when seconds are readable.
h=12 m=42
